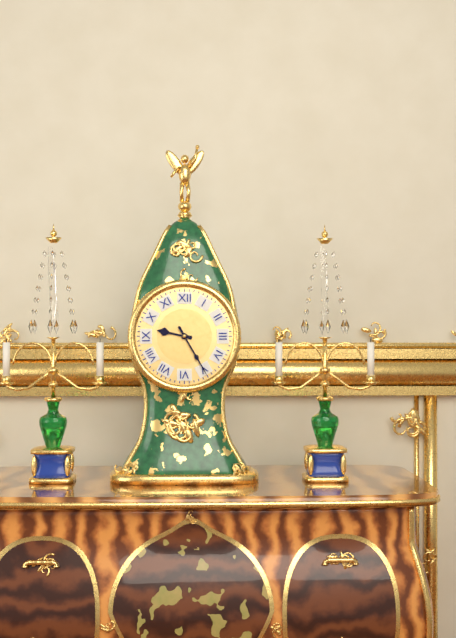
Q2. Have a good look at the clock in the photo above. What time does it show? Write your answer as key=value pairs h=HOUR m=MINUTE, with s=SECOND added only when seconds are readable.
h=9 m=25
